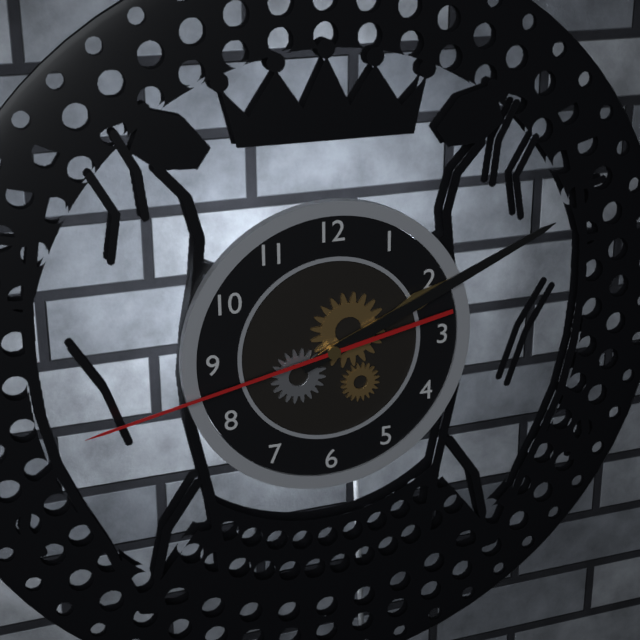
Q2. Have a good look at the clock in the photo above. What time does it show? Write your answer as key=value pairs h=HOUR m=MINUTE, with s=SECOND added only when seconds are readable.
h=2 m=11 s=43
